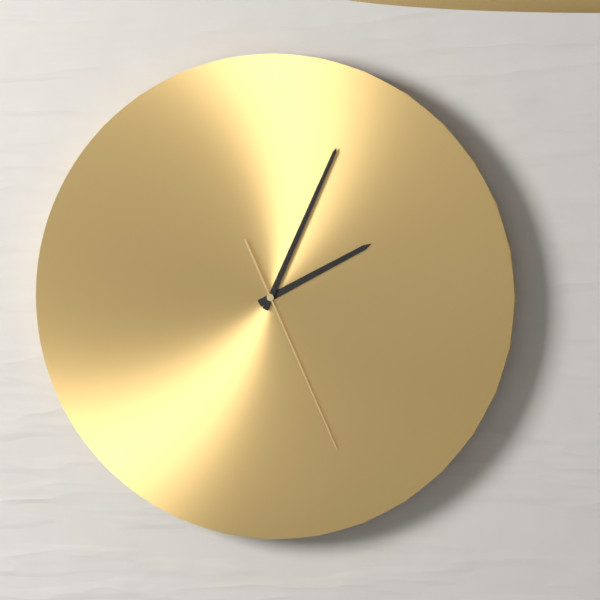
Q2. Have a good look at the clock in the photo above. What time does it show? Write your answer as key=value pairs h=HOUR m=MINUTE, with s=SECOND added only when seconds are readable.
h=2 m=4 s=26
